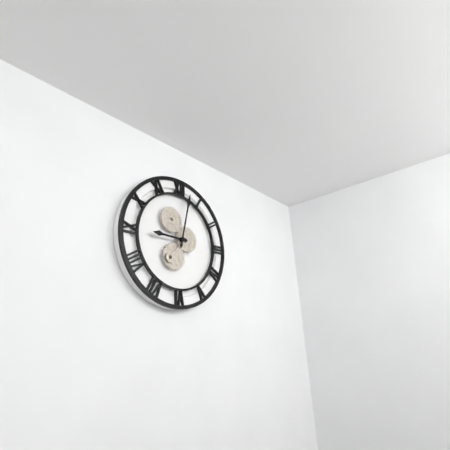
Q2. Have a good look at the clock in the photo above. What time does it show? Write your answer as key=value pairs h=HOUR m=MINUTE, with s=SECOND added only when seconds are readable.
h=9 m=2
